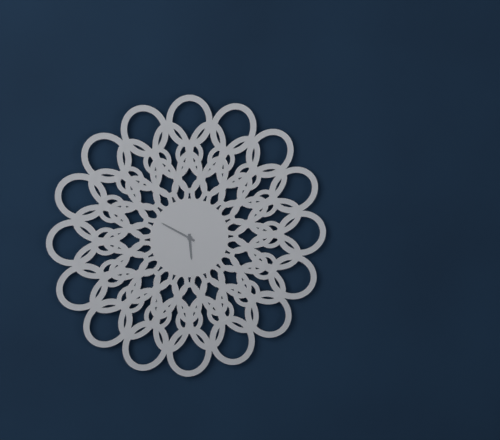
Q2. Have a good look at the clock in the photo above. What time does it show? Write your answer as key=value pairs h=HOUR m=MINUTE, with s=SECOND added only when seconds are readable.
h=5 m=50
